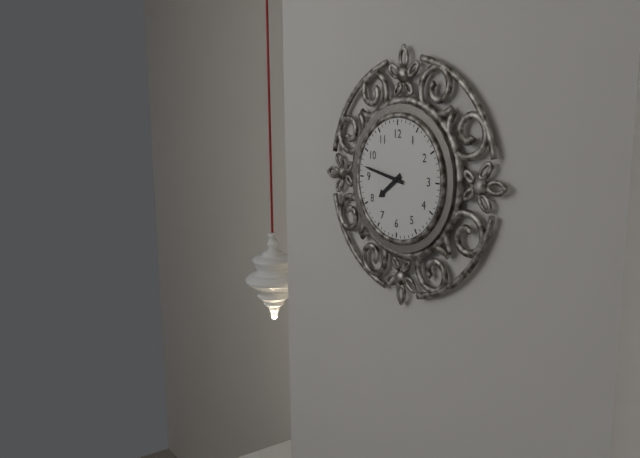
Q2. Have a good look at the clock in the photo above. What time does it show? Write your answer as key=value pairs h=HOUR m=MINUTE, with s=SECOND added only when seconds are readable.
h=7 m=47
